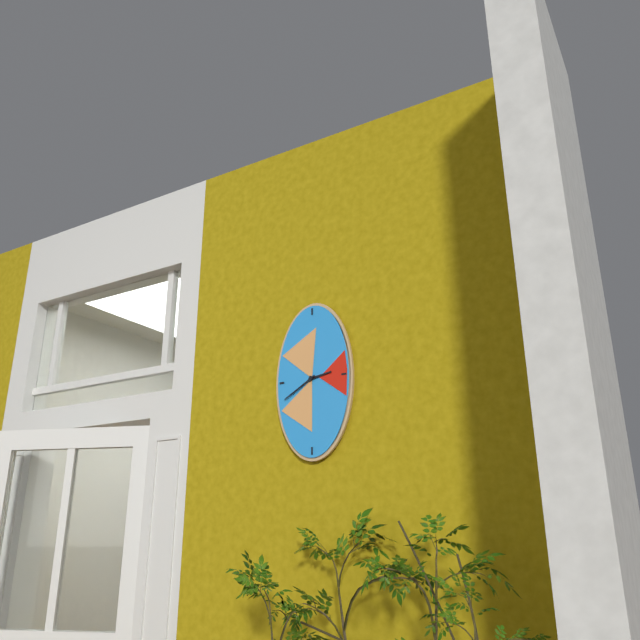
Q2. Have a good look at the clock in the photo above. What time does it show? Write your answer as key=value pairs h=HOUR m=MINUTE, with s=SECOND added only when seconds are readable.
h=2 m=40
